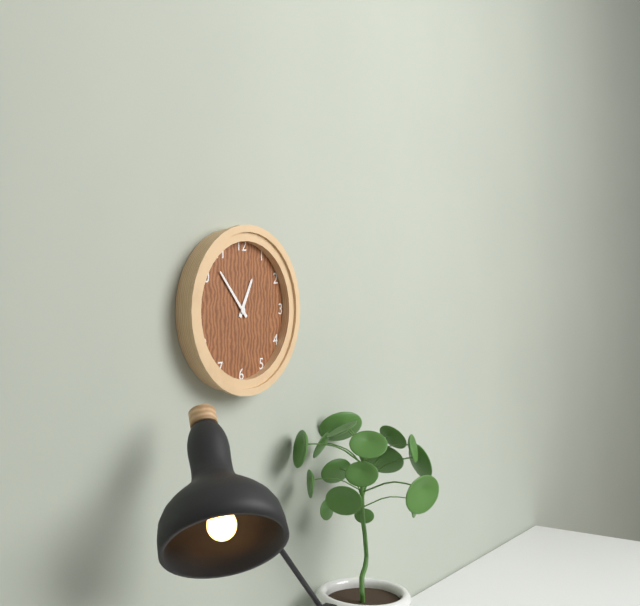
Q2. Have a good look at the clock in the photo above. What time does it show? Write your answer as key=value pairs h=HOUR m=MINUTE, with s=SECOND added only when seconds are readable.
h=12 m=53
